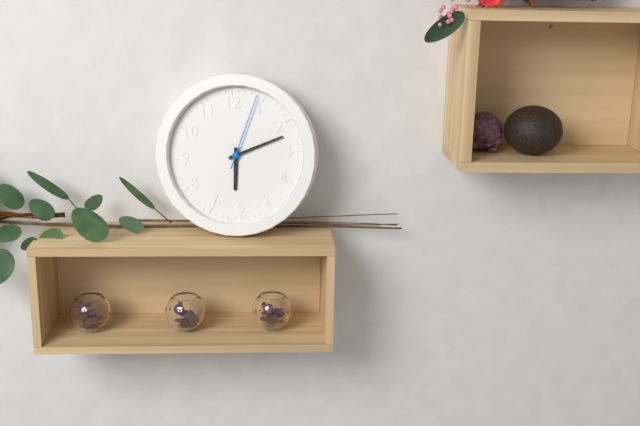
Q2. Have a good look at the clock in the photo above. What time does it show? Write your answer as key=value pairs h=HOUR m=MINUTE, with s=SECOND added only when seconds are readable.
h=6 m=12 s=4
